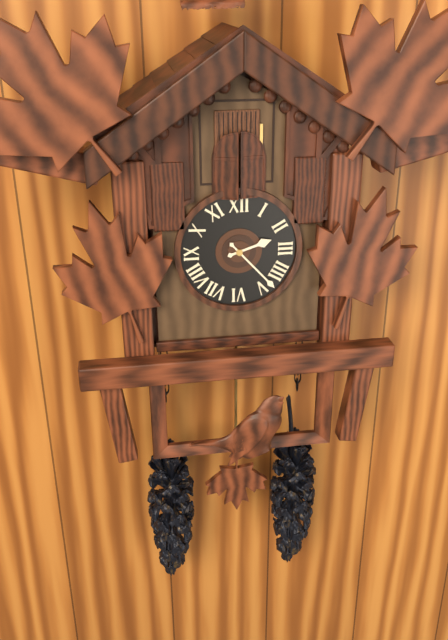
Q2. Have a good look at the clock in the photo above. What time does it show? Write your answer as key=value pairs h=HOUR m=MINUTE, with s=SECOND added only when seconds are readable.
h=2 m=23
